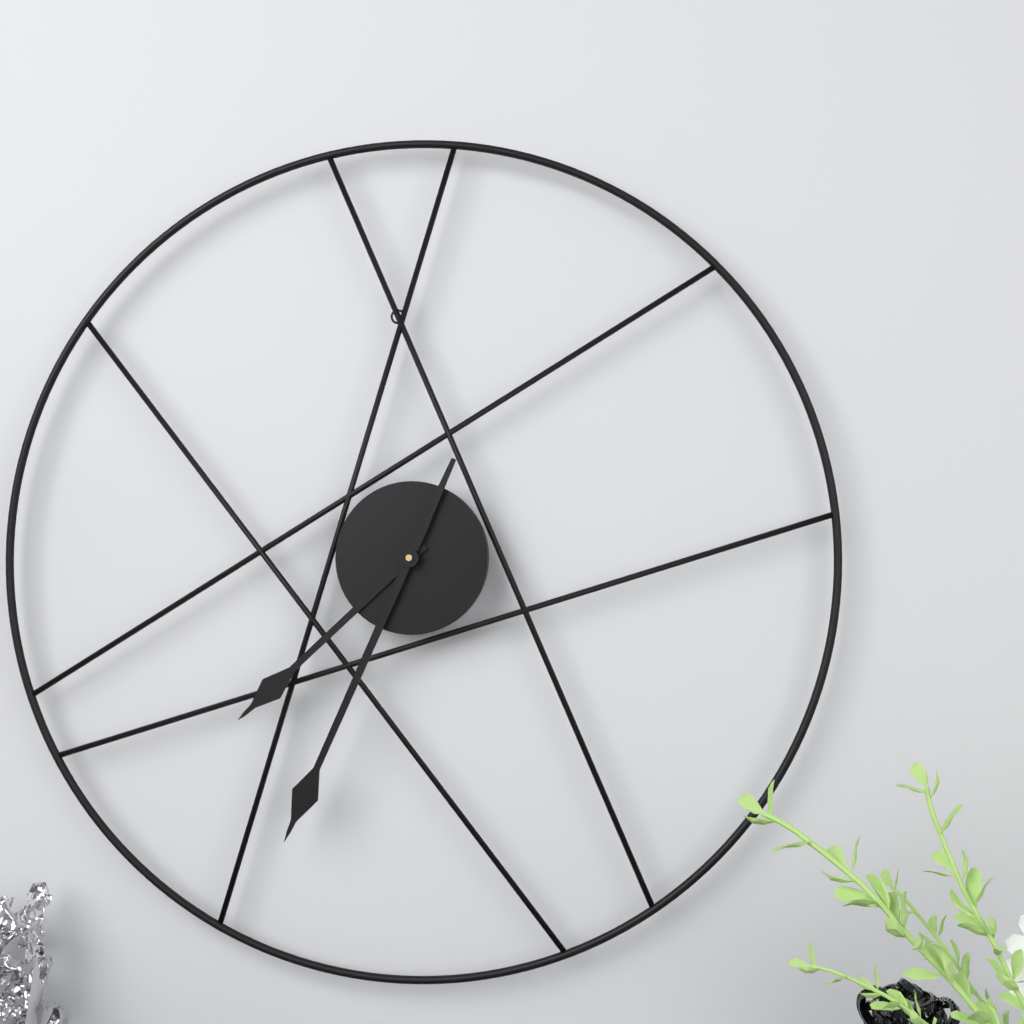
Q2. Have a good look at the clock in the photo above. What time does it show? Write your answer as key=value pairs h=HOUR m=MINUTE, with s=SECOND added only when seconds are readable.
h=7 m=34
